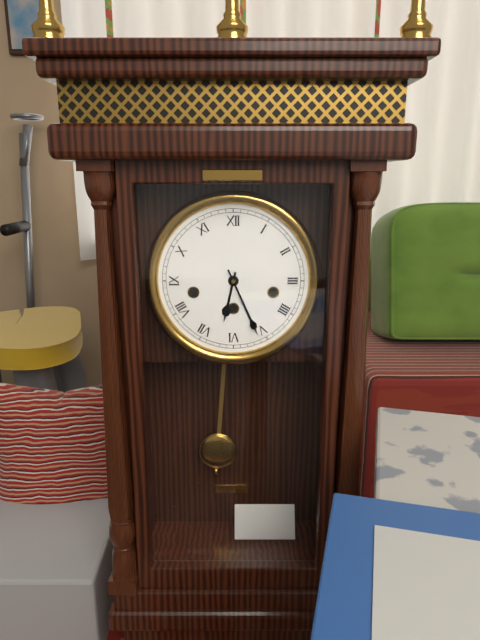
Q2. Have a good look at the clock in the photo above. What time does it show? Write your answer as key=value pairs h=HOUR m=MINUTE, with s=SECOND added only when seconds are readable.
h=6 m=26
